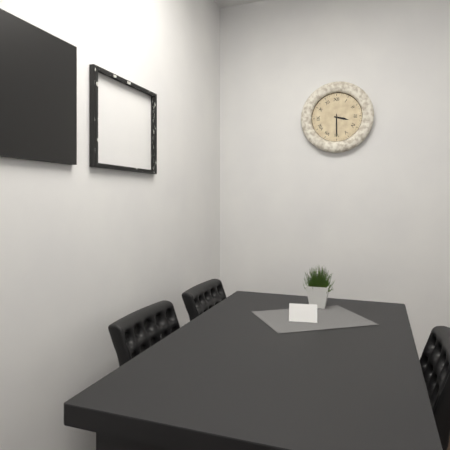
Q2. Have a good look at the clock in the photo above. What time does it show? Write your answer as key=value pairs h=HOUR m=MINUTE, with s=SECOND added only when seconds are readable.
h=3 m=30
